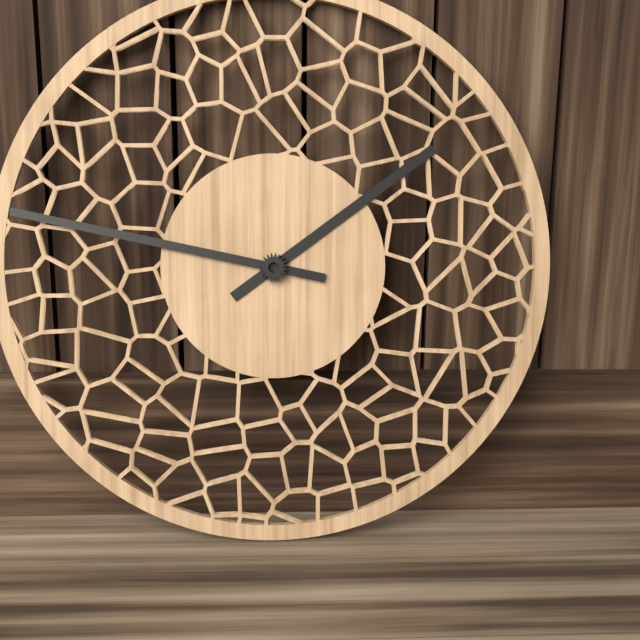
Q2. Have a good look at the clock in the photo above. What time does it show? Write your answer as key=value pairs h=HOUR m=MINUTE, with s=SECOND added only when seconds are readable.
h=1 m=47
